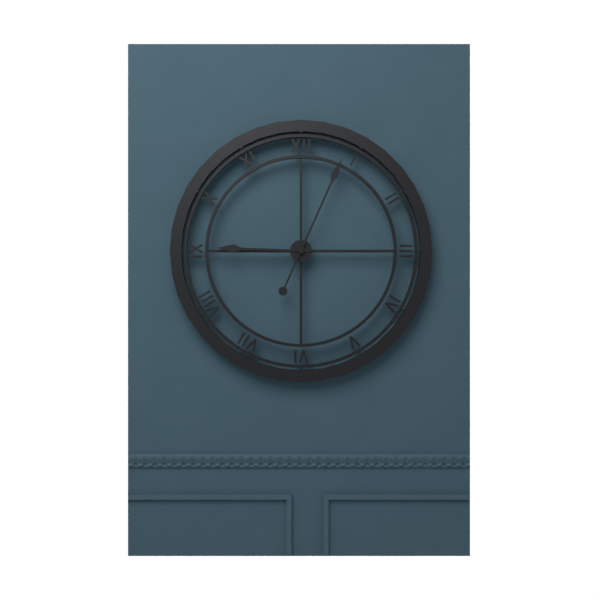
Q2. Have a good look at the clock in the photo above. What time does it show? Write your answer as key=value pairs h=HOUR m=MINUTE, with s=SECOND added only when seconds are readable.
h=9 m=4
